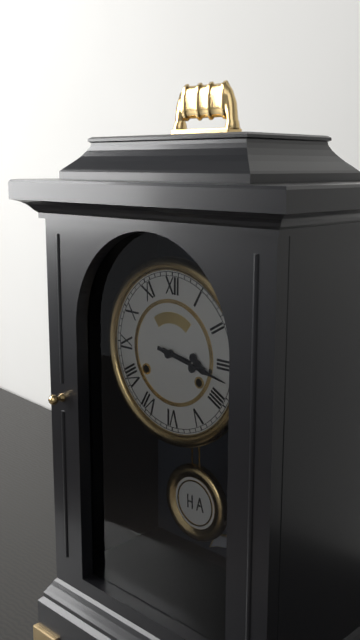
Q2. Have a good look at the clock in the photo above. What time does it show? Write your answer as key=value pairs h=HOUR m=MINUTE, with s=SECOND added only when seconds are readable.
h=3 m=17
